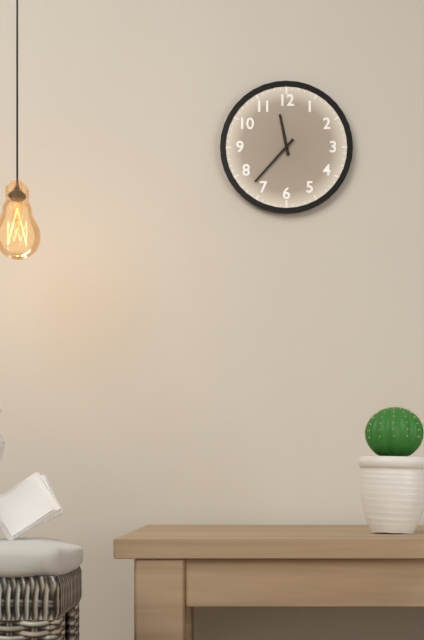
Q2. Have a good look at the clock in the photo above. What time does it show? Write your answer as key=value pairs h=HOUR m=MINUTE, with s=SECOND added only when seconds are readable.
h=11 m=37
